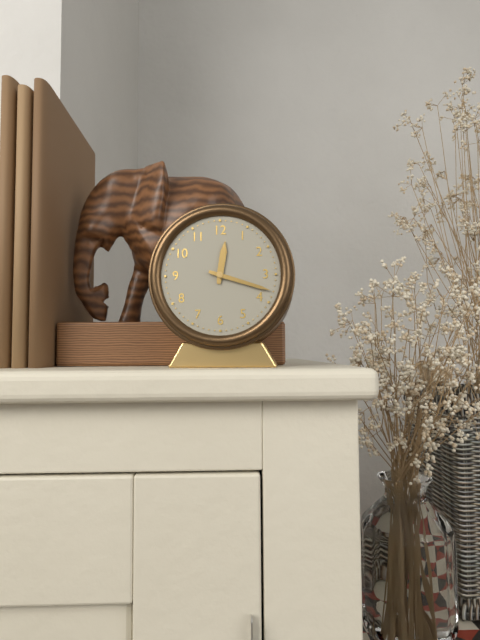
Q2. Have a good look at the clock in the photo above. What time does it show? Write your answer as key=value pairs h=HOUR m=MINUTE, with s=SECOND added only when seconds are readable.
h=12 m=18
